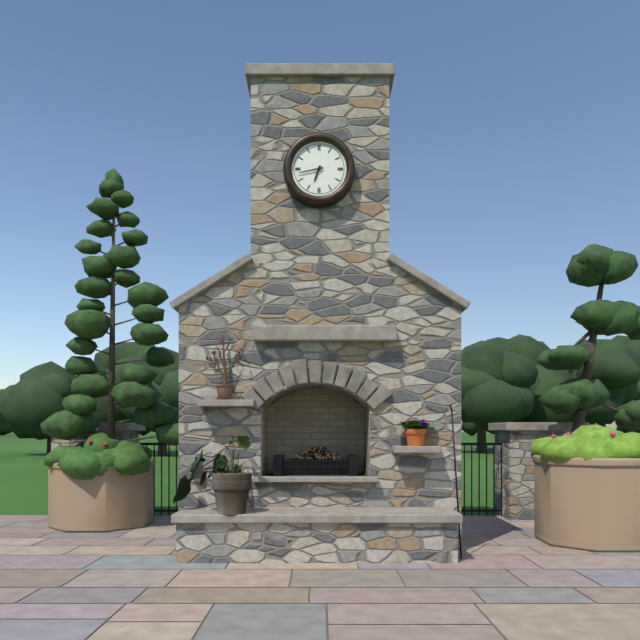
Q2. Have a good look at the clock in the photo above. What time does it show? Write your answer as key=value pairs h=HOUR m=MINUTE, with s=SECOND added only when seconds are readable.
h=6 m=43
